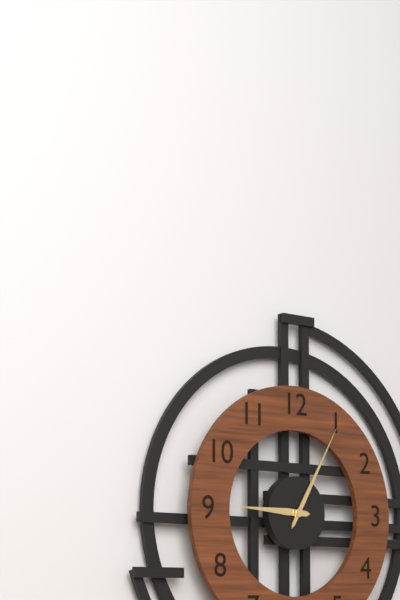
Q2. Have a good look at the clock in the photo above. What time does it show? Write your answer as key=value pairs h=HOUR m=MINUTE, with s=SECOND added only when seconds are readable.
h=9 m=5
